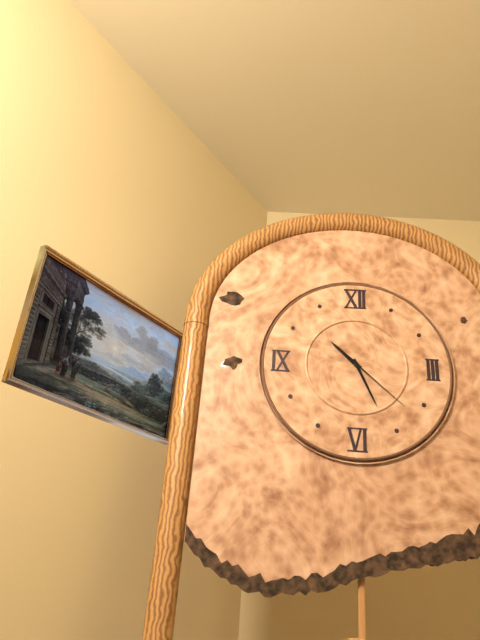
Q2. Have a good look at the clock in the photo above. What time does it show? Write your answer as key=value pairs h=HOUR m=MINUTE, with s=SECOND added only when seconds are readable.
h=10 m=26 s=22
